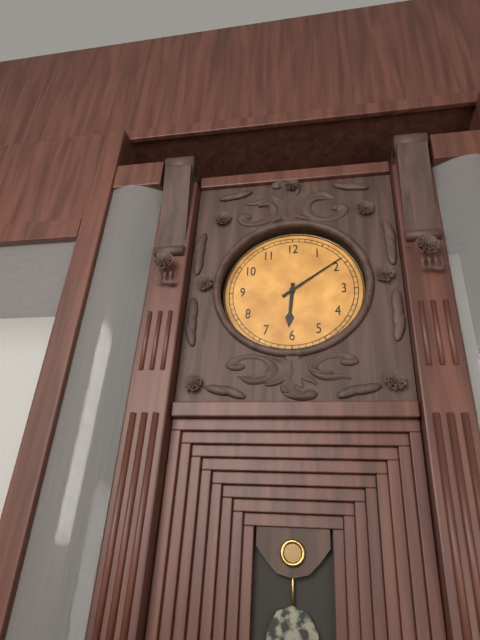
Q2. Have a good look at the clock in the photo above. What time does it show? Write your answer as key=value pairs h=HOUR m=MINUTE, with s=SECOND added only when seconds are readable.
h=6 m=9
